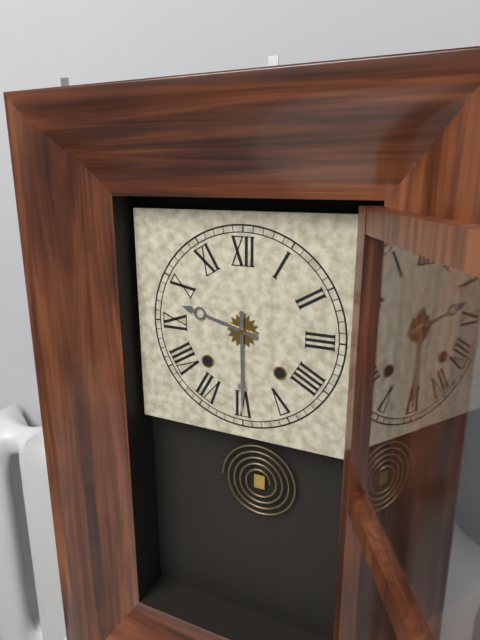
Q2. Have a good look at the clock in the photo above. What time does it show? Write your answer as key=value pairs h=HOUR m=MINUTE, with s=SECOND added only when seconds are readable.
h=9 m=30
